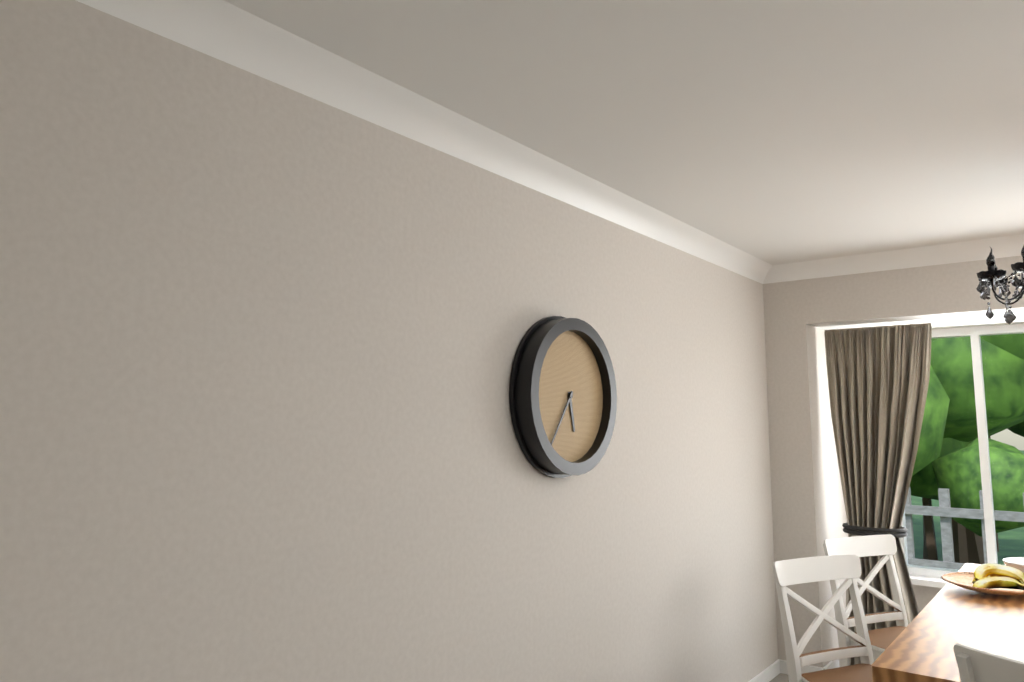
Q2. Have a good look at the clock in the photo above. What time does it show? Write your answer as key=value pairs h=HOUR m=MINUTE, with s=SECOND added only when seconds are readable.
h=5 m=36
